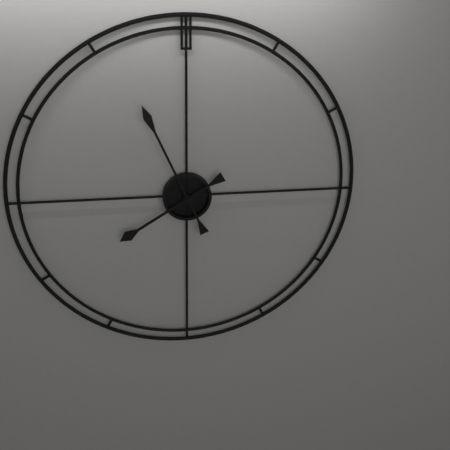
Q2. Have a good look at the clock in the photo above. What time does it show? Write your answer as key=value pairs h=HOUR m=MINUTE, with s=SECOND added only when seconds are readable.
h=7 m=56
